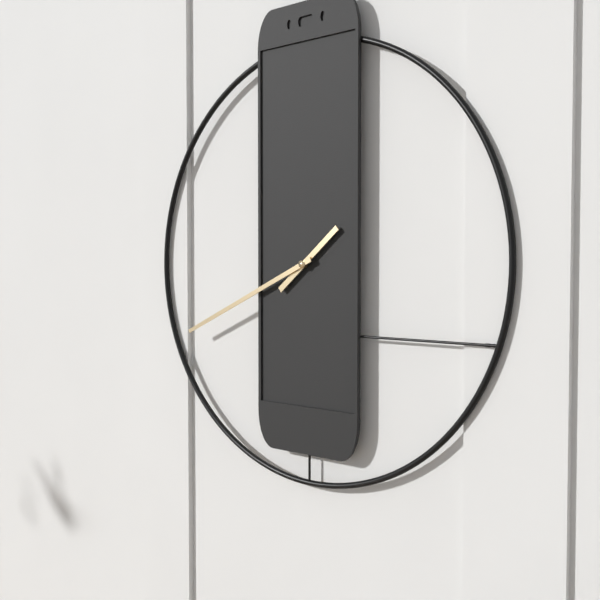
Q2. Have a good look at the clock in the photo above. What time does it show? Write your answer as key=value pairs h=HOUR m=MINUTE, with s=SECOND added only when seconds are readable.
h=1 m=41
